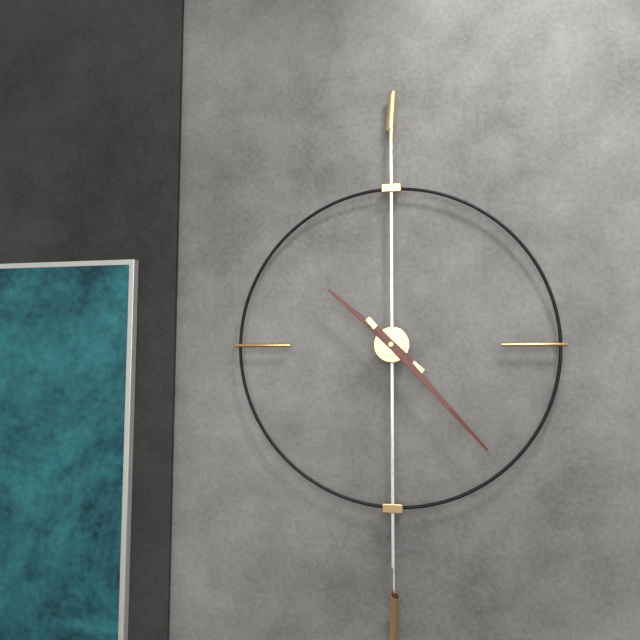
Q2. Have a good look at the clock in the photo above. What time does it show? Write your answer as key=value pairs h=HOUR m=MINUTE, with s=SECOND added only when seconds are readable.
h=10 m=23
